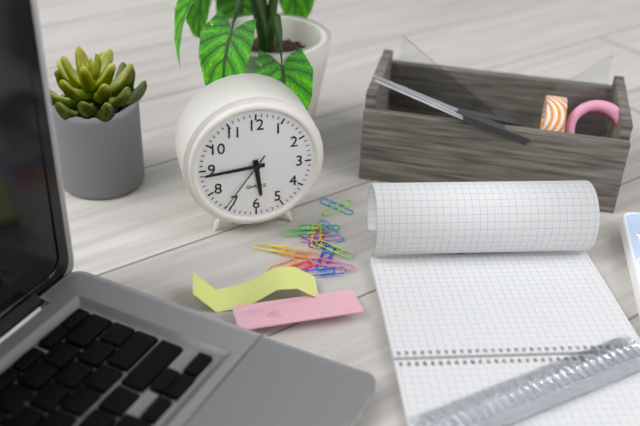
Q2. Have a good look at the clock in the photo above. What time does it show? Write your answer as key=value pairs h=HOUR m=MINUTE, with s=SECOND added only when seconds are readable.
h=5 m=44 s=36
